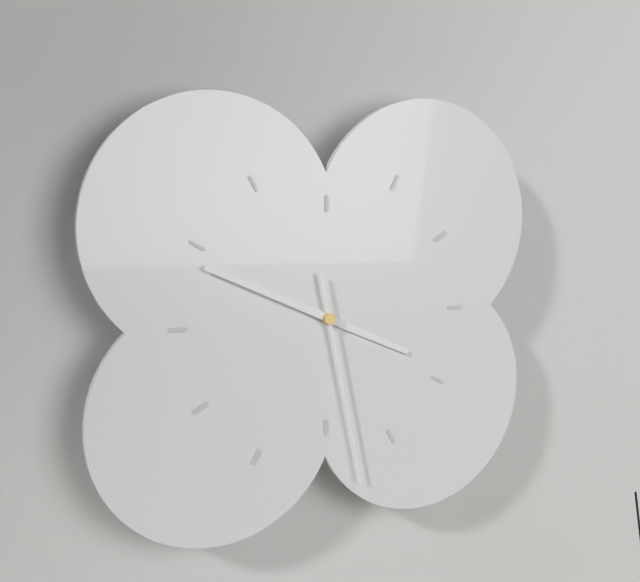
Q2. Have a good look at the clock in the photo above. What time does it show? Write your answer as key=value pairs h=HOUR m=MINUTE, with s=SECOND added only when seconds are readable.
h=3 m=49 s=28
